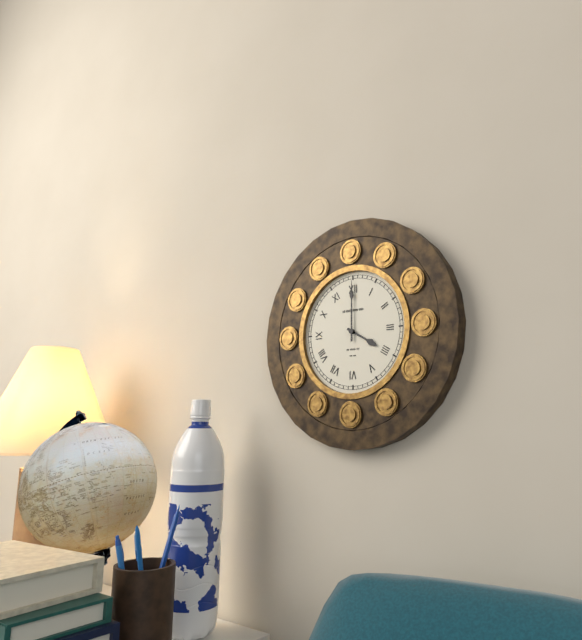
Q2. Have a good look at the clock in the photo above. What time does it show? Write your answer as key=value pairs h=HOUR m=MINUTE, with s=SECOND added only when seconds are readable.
h=4 m=0
